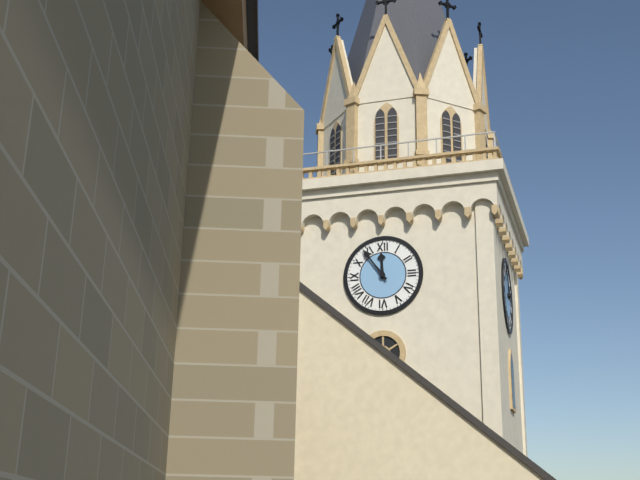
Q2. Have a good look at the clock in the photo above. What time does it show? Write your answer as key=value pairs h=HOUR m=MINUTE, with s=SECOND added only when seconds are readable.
h=11 m=54
